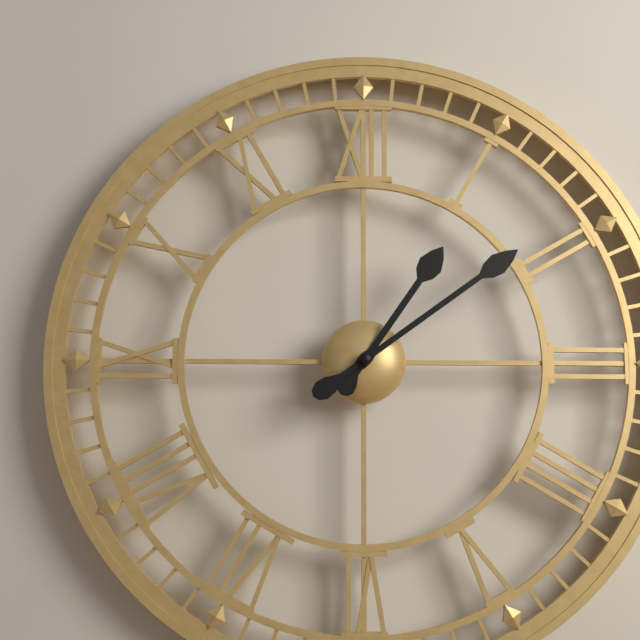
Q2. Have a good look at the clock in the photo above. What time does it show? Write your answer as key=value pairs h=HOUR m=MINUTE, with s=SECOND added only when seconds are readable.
h=1 m=9
